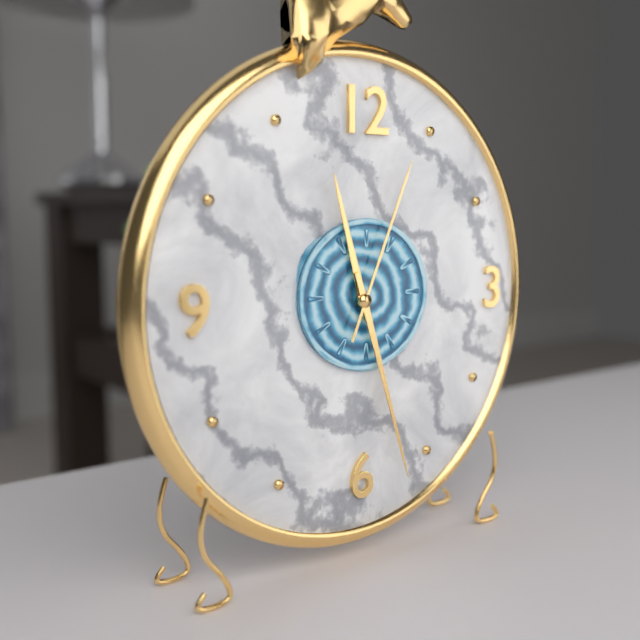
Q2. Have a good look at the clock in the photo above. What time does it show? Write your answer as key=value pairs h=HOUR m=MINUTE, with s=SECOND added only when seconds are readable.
h=11 m=27 s=4
